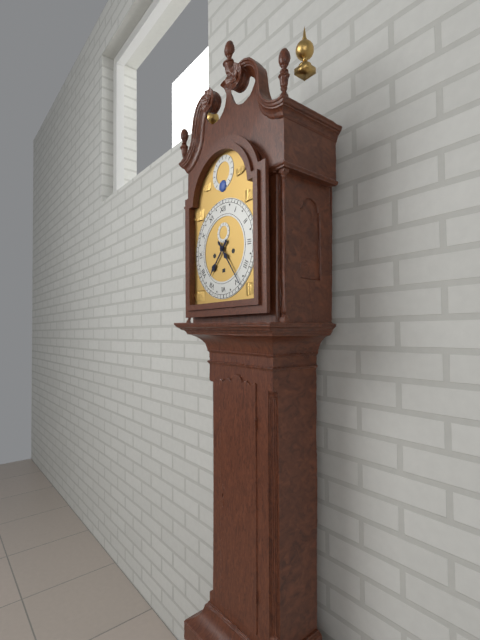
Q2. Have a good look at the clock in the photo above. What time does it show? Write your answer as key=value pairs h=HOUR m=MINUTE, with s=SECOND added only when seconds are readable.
h=7 m=24
